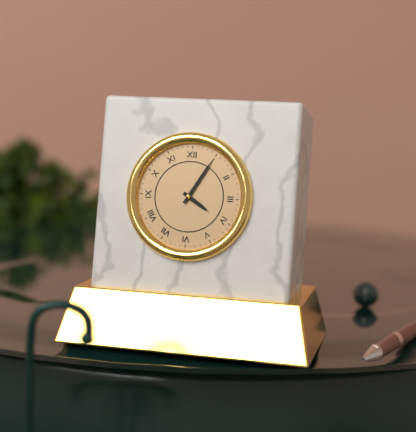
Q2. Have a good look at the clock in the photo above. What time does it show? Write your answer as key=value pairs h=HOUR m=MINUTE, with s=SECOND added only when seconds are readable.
h=4 m=5
